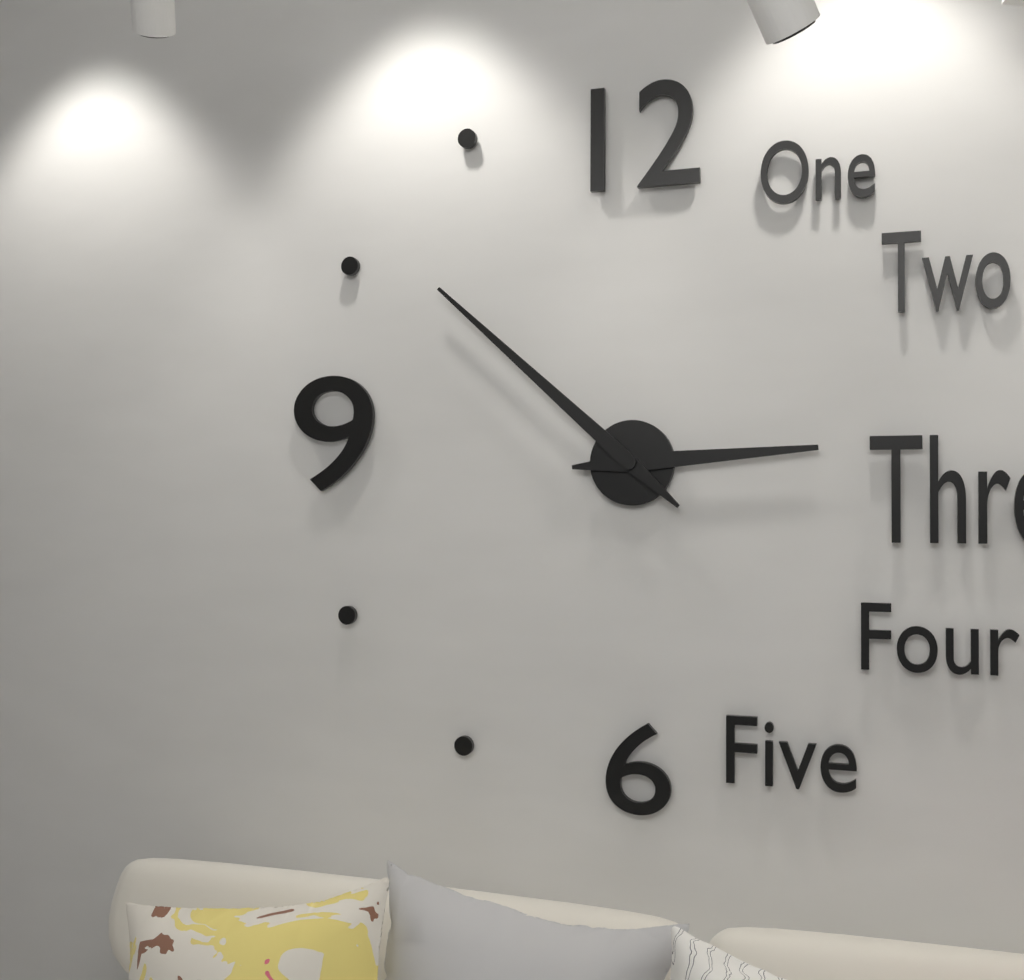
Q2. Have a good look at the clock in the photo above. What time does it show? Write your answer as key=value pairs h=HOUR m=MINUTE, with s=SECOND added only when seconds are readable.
h=2 m=52
